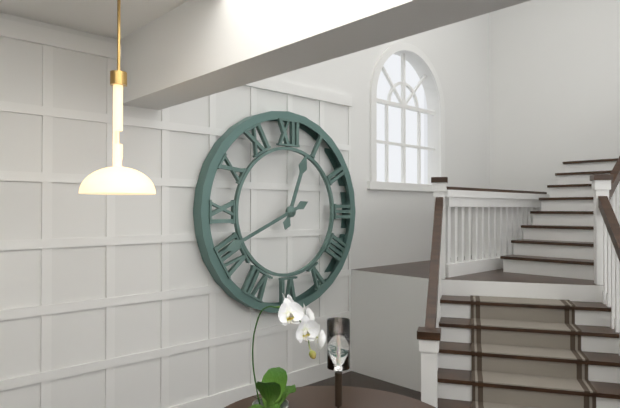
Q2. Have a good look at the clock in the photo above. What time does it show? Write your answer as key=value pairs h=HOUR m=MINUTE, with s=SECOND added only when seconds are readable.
h=12 m=41
